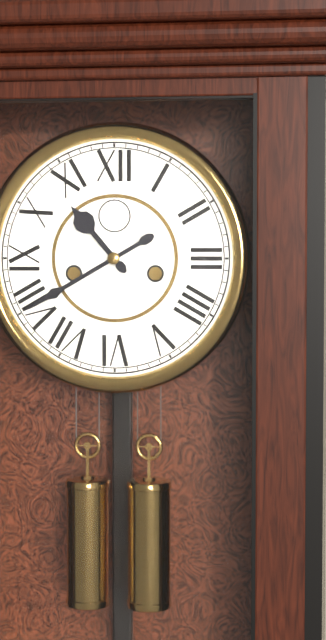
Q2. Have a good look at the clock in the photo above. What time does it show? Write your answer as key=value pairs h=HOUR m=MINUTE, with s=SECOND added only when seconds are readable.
h=10 m=40
